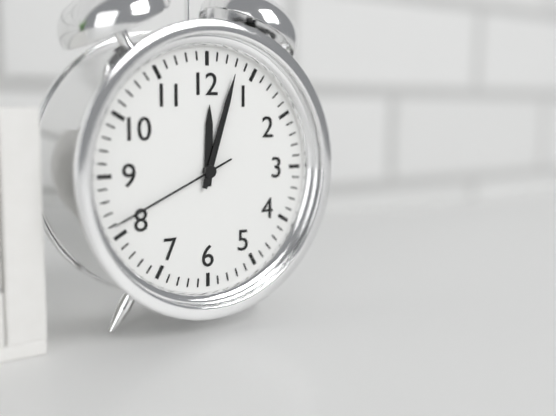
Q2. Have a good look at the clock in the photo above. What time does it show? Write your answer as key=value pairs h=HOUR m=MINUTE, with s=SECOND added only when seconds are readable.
h=12 m=3 s=41
